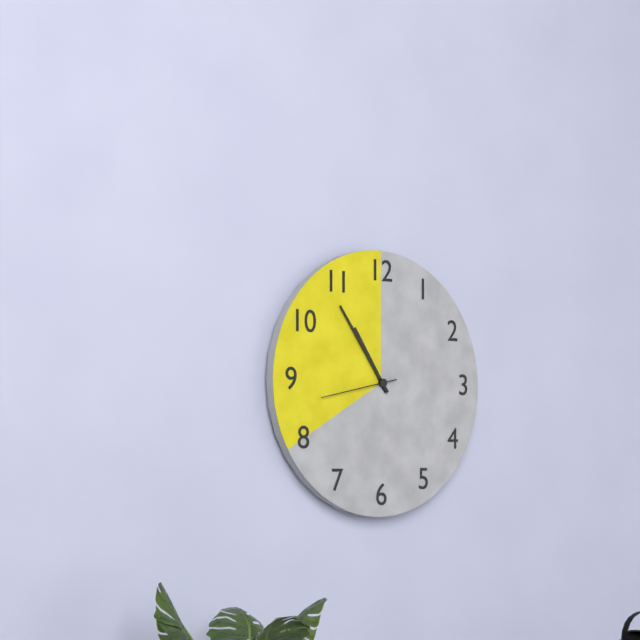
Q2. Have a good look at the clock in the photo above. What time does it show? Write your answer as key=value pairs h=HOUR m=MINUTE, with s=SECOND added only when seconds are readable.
h=10 m=54 s=43
